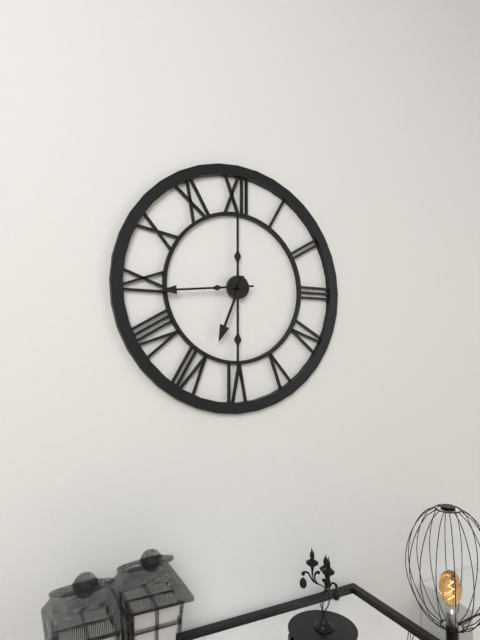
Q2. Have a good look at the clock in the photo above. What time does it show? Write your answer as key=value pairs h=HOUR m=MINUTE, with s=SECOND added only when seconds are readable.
h=6 m=44
